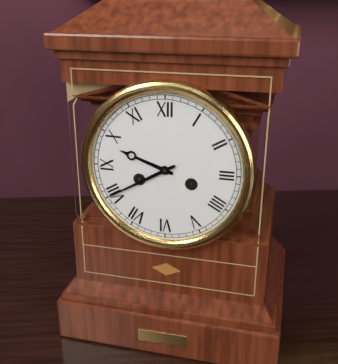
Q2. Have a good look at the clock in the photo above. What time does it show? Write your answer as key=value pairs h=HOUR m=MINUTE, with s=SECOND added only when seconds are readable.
h=9 m=40
